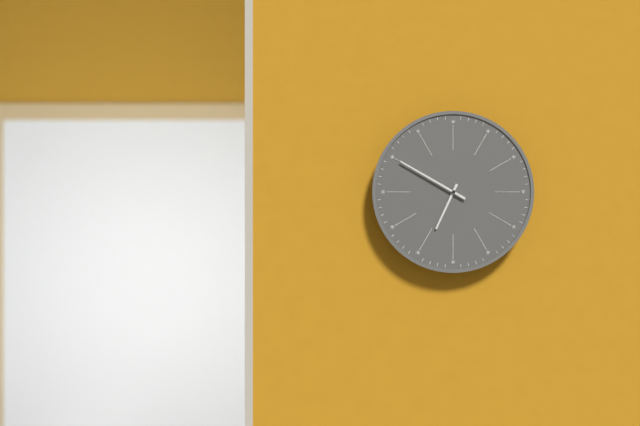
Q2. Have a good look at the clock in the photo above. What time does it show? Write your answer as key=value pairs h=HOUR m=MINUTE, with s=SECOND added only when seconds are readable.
h=6 m=50
